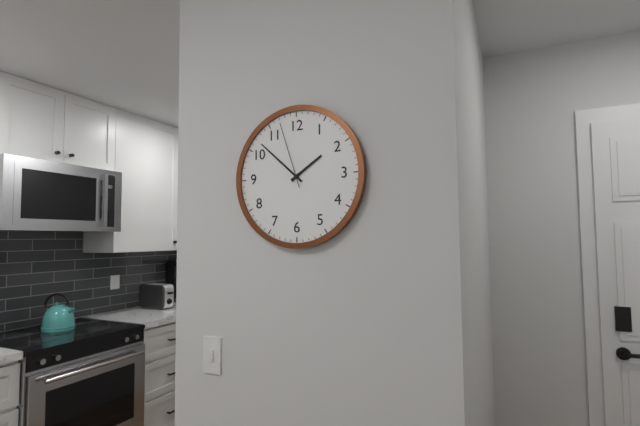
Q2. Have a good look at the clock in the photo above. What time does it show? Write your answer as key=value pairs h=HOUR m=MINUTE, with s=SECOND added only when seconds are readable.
h=1 m=52 s=57
